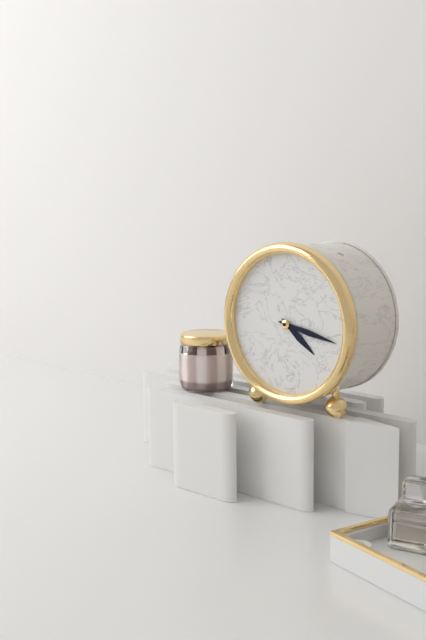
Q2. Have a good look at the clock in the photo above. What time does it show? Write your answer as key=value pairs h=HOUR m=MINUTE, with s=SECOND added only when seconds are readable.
h=4 m=17
